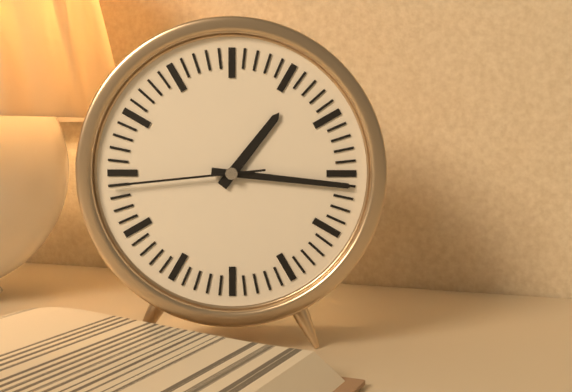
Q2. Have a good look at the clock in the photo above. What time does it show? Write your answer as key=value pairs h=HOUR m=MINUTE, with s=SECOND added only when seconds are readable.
h=1 m=16 s=44
